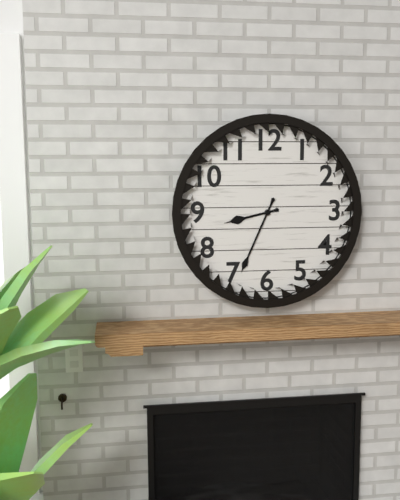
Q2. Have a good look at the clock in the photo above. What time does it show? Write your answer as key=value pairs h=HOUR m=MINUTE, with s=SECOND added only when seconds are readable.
h=8 m=34
